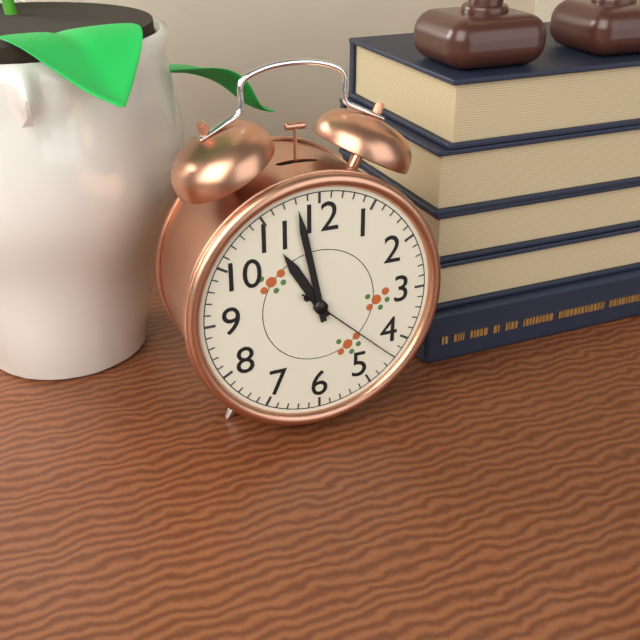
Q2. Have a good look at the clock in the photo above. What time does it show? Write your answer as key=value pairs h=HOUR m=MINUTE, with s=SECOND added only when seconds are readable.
h=10 m=58 s=22
